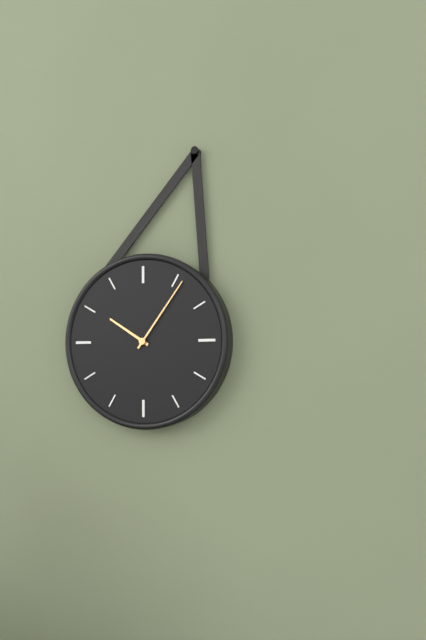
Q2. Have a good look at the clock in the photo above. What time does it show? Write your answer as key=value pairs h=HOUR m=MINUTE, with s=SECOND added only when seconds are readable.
h=10 m=6
